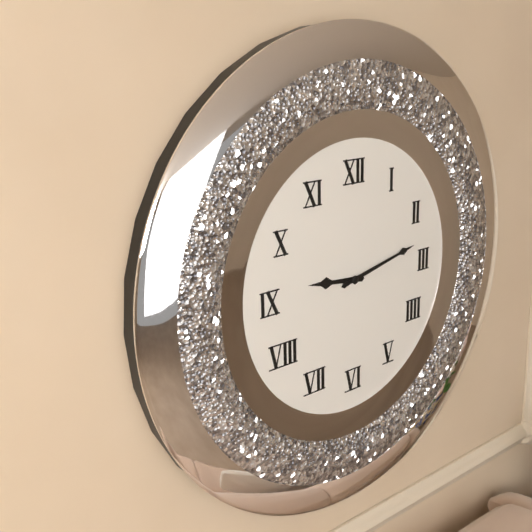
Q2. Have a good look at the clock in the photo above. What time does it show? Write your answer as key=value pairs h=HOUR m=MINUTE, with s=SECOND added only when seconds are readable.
h=9 m=13
